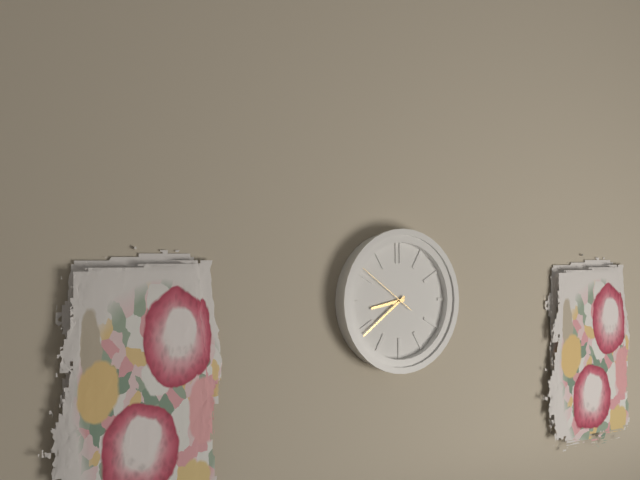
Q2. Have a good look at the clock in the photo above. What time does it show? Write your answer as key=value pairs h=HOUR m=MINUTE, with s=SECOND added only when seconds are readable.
h=8 m=39 s=51
